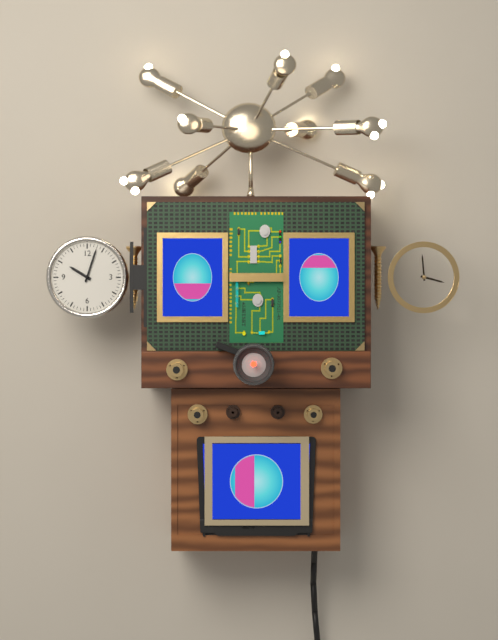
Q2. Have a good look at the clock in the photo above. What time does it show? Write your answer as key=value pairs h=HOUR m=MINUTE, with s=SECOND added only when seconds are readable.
h=10 m=3
